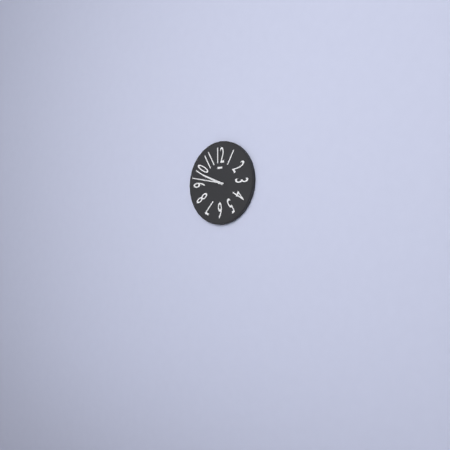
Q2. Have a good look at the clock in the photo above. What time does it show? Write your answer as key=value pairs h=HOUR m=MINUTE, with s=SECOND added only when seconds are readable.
h=9 m=47
